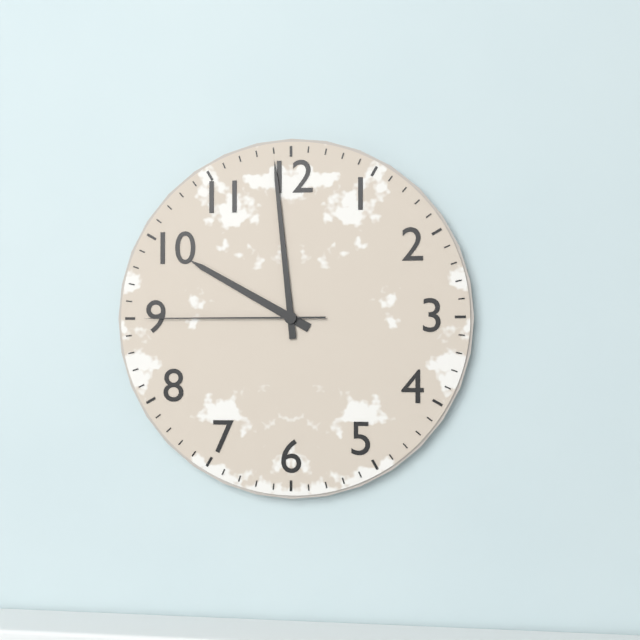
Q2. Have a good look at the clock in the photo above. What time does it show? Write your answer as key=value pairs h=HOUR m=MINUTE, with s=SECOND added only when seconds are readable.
h=9 m=59 s=45
